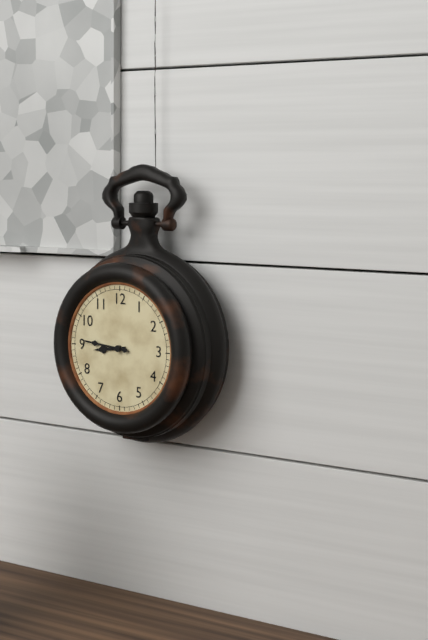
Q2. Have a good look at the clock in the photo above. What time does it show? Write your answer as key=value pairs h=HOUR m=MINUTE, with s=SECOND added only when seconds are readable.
h=8 m=46
